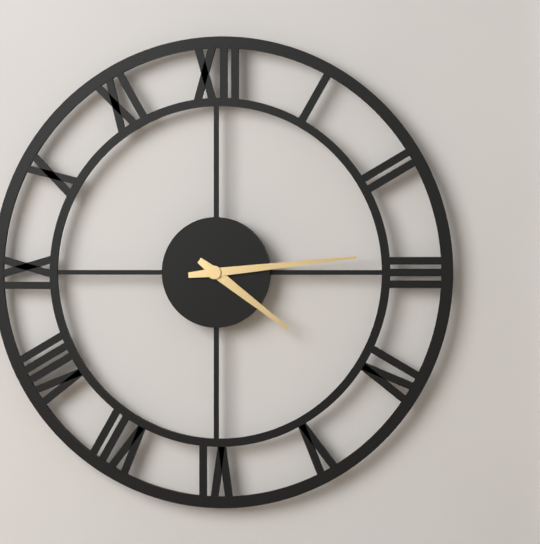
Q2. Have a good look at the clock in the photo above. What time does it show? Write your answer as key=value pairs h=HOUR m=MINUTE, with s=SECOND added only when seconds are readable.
h=4 m=14
